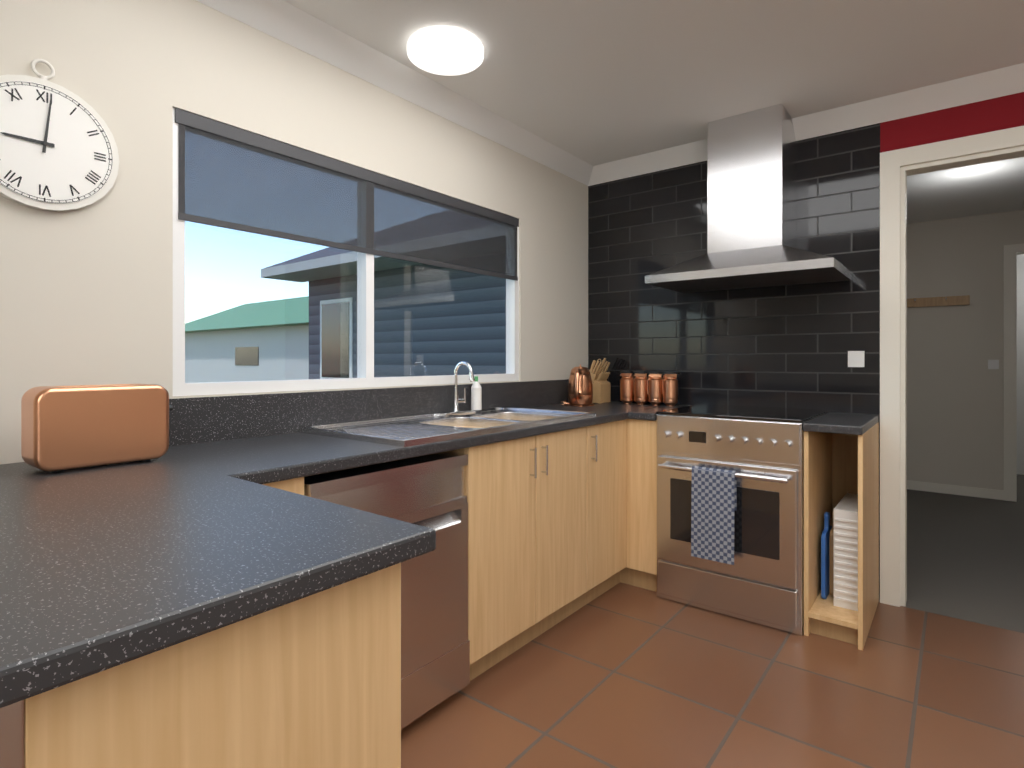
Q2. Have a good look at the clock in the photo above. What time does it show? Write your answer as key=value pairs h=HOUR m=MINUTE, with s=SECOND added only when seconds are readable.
h=9 m=1
